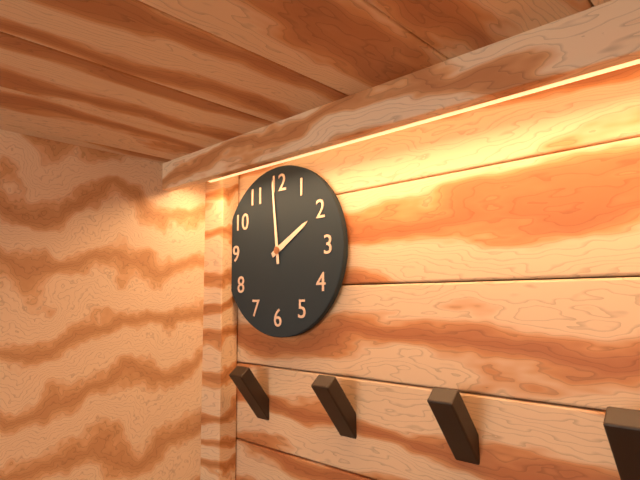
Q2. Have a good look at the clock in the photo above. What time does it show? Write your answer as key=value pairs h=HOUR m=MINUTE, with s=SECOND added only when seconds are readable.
h=1 m=59
